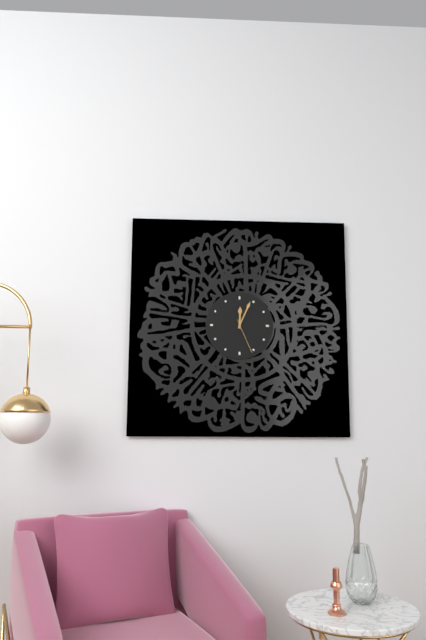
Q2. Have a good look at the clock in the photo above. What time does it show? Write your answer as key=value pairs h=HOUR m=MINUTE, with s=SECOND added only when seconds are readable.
h=12 m=4
